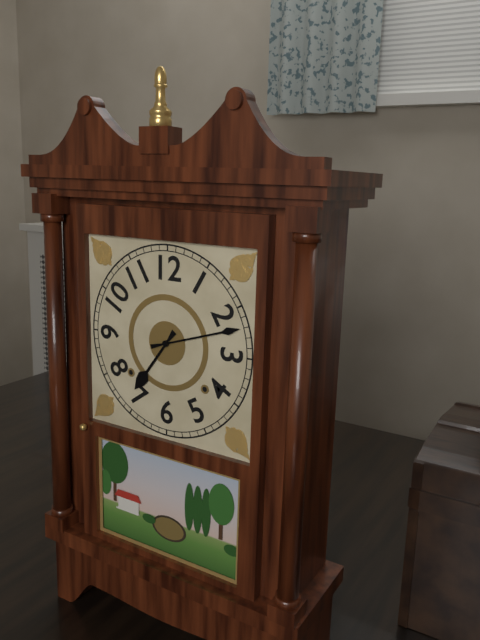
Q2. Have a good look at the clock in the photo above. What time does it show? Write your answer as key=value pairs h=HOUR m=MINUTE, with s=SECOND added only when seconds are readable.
h=7 m=12
